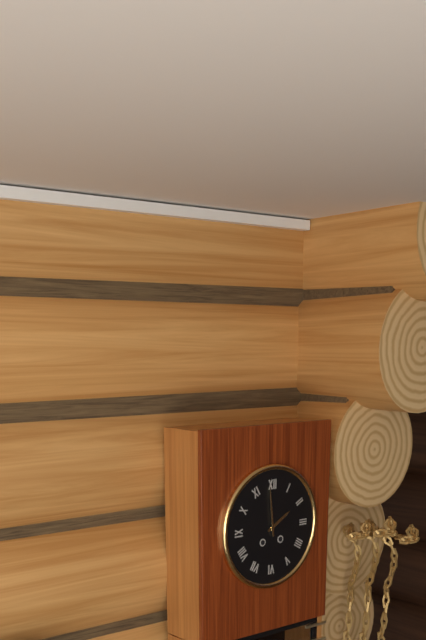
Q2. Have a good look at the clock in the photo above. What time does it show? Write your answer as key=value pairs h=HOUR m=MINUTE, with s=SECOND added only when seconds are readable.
h=1 m=59
